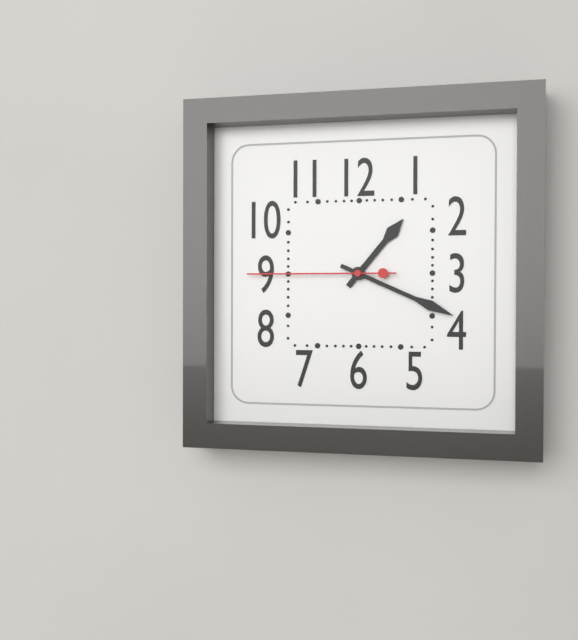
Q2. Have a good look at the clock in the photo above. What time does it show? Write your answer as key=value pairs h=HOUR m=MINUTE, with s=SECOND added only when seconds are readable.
h=1 m=19 s=45
